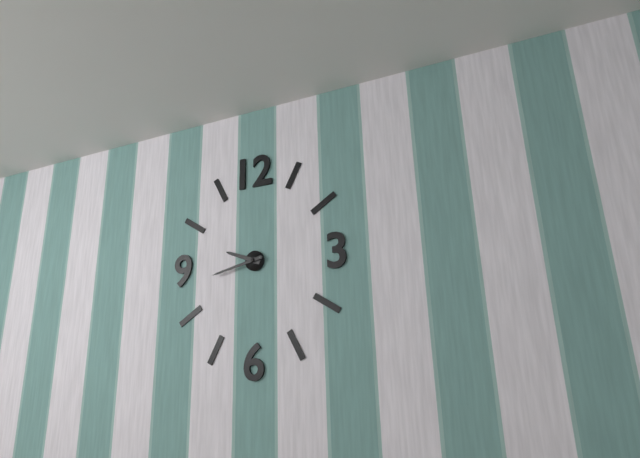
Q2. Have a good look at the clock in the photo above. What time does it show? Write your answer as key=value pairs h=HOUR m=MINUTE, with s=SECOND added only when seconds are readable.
h=9 m=43
